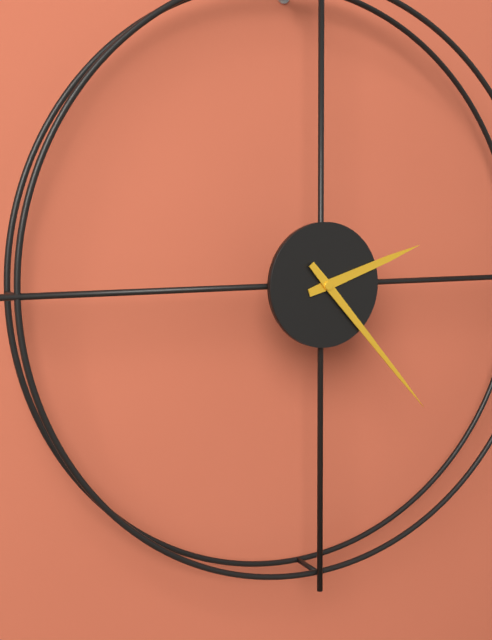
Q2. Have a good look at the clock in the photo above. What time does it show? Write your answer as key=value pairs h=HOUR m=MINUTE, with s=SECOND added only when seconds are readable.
h=2 m=23
